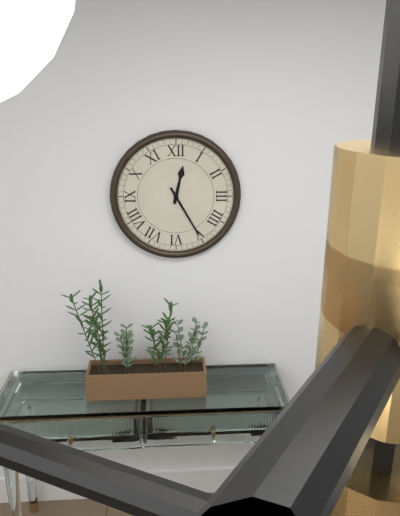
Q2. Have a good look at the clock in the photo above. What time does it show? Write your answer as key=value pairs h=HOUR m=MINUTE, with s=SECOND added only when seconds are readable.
h=12 m=25
